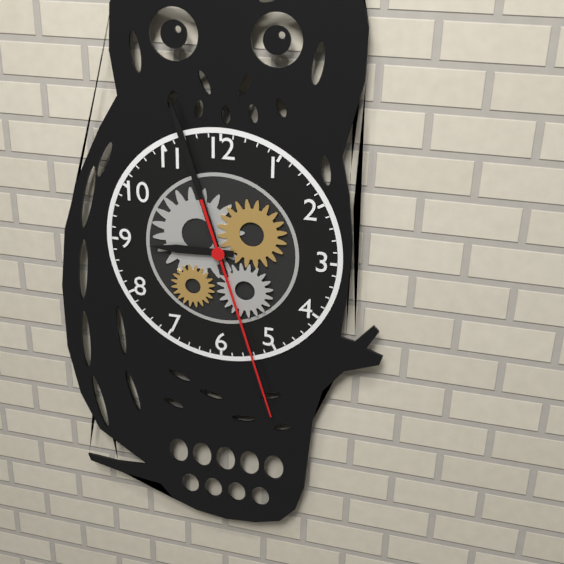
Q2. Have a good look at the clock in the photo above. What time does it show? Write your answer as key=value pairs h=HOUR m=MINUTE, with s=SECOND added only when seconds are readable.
h=8 m=57 s=27
